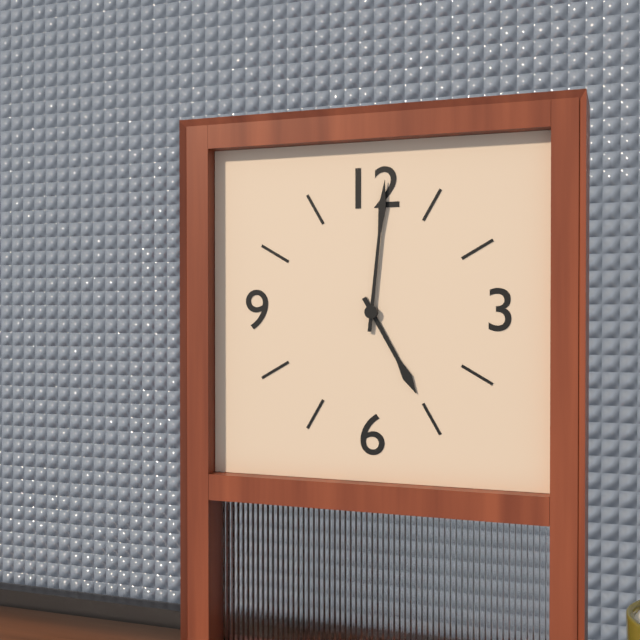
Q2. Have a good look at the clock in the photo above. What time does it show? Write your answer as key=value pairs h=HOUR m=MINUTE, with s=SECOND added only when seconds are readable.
h=5 m=1
